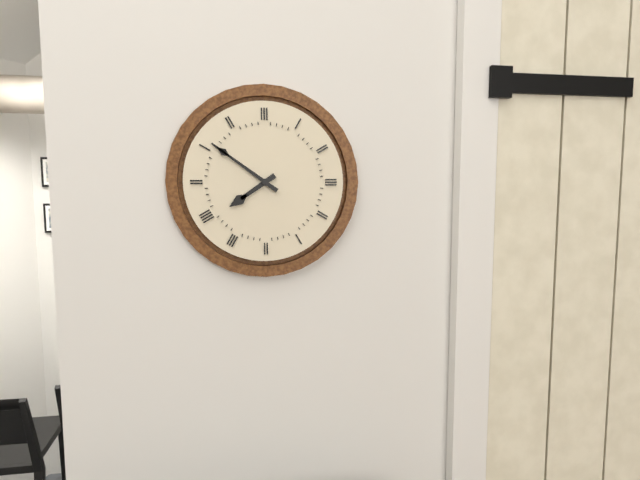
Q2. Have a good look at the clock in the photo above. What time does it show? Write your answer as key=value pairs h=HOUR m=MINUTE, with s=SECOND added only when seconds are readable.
h=7 m=51
